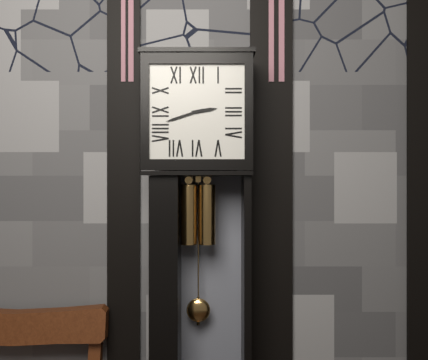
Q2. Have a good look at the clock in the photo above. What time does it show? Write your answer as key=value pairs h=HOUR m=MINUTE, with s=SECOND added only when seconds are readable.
h=2 m=42
